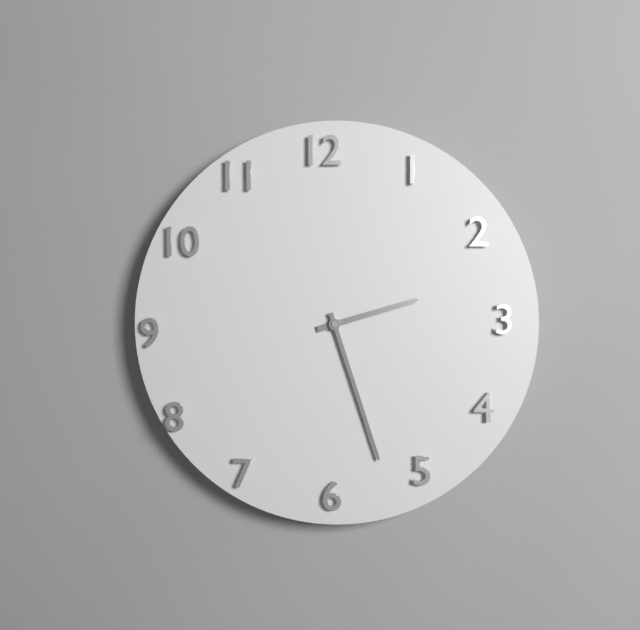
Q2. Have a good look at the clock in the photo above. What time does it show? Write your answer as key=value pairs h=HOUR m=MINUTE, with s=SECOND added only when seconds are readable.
h=2 m=27
